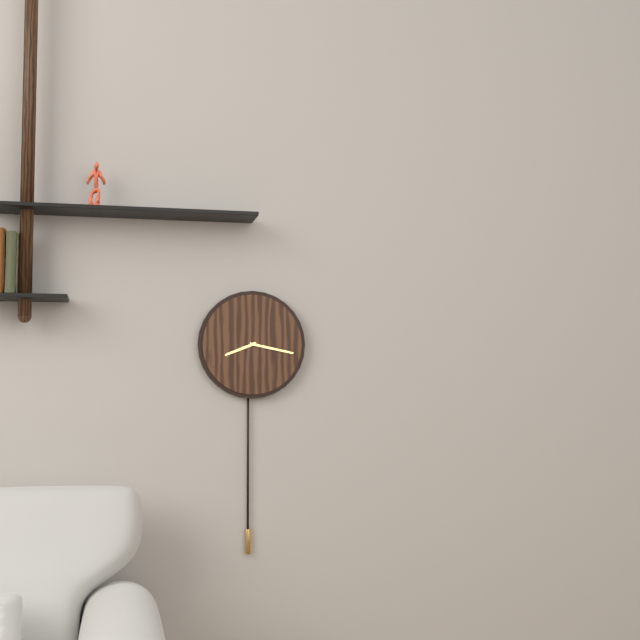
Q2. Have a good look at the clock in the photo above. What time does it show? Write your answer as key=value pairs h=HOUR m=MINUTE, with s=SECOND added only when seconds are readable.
h=8 m=17
